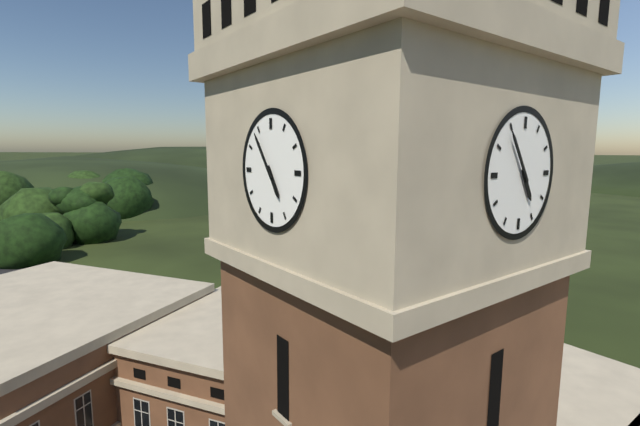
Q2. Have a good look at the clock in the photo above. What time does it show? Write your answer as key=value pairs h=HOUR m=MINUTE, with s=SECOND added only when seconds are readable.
h=4 m=54
